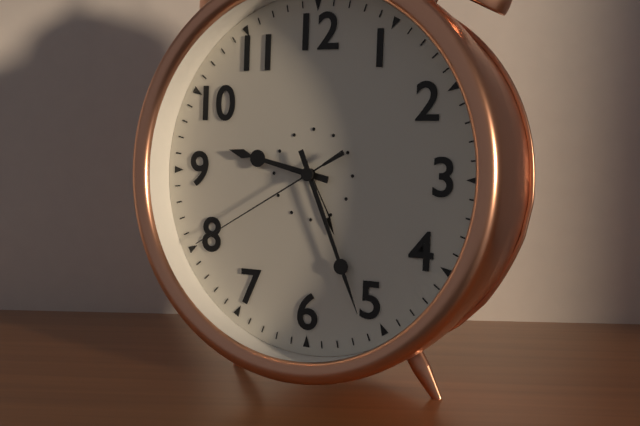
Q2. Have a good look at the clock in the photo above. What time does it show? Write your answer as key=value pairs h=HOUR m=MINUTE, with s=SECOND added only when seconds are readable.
h=9 m=26 s=40
